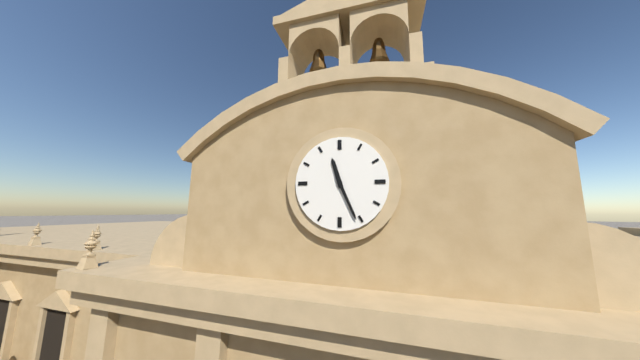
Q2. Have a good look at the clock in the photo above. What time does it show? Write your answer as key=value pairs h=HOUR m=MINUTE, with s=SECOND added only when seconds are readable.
h=11 m=26
